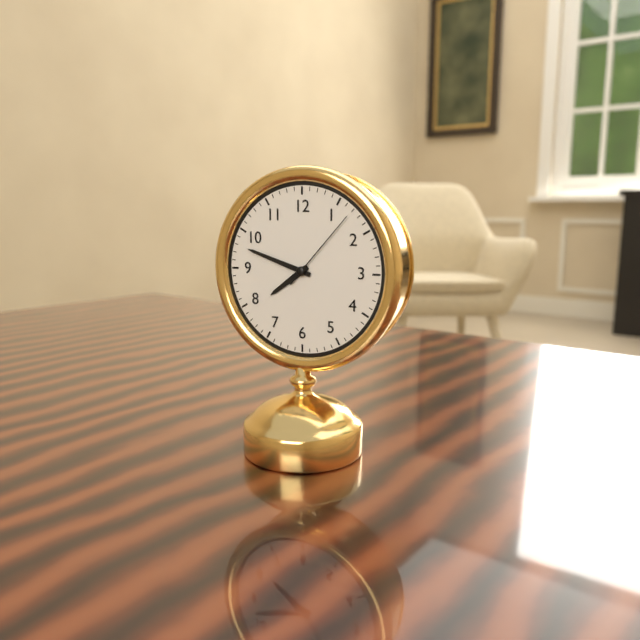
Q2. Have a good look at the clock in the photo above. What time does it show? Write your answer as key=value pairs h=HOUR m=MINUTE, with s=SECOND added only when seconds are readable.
h=7 m=48 s=7
